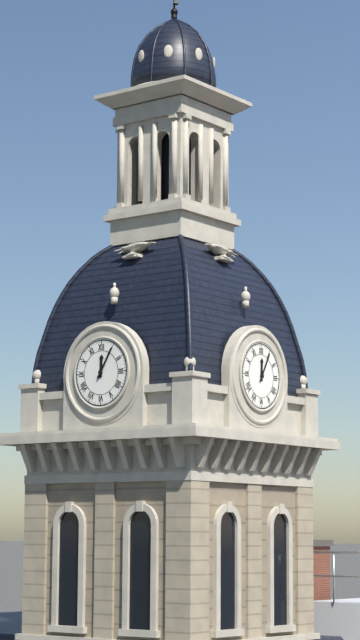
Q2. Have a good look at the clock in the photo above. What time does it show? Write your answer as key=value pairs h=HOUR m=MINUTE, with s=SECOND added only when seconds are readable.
h=12 m=5
